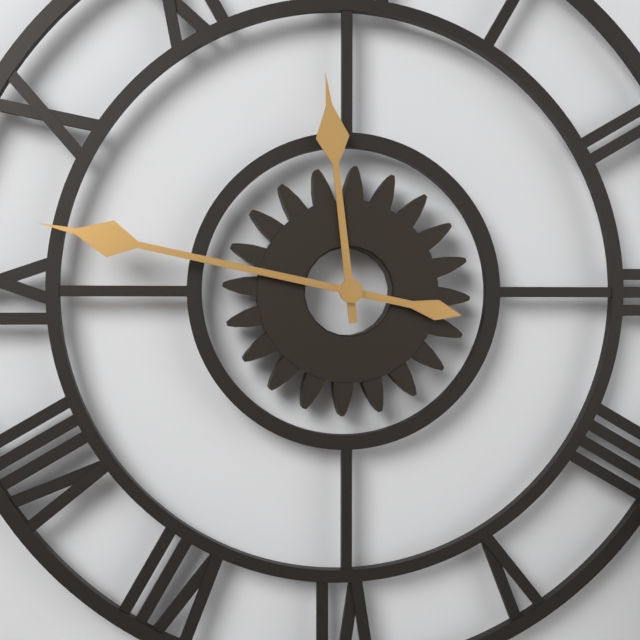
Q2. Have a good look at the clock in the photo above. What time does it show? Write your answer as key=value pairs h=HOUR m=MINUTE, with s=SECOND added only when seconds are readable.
h=11 m=47
